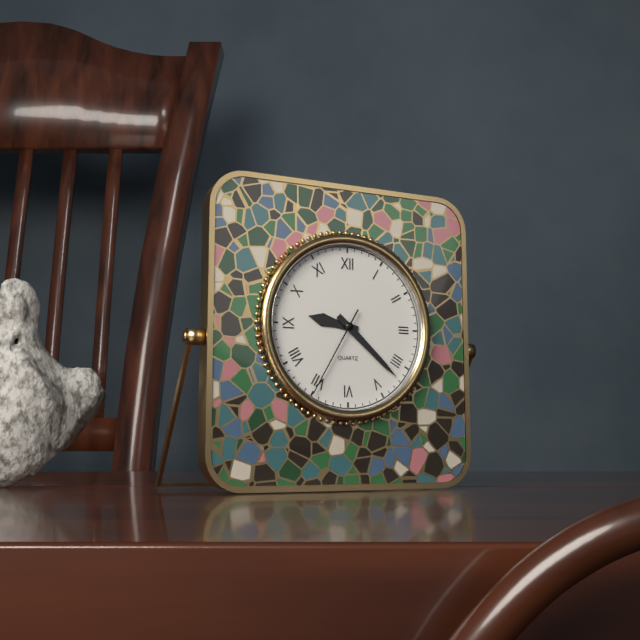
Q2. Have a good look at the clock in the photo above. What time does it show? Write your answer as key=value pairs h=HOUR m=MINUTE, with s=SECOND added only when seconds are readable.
h=9 m=22 s=35
